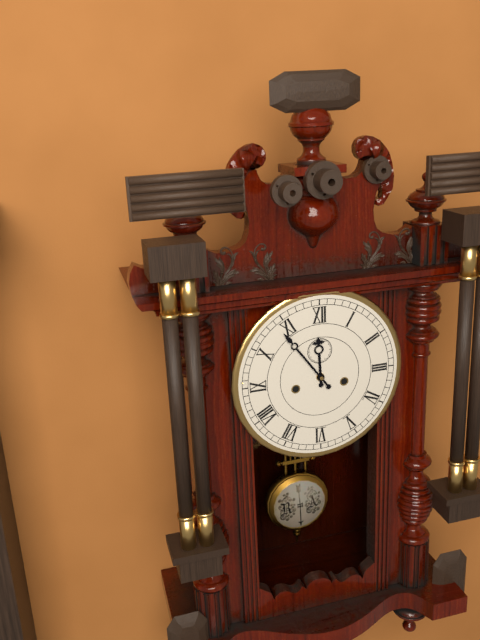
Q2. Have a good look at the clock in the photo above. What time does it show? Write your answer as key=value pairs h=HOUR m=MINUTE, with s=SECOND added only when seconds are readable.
h=11 m=54
